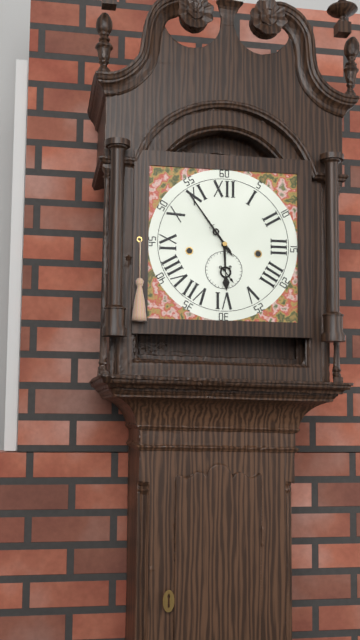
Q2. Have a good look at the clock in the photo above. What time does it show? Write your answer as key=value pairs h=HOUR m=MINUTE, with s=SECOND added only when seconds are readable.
h=5 m=54
